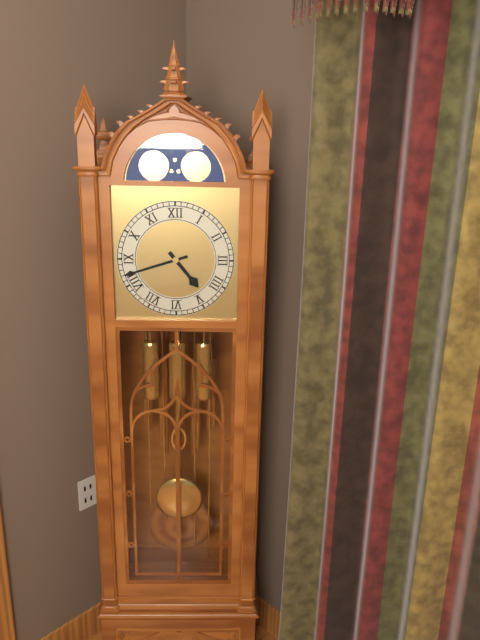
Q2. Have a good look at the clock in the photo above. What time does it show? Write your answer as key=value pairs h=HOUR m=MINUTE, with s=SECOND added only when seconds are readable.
h=4 m=42
